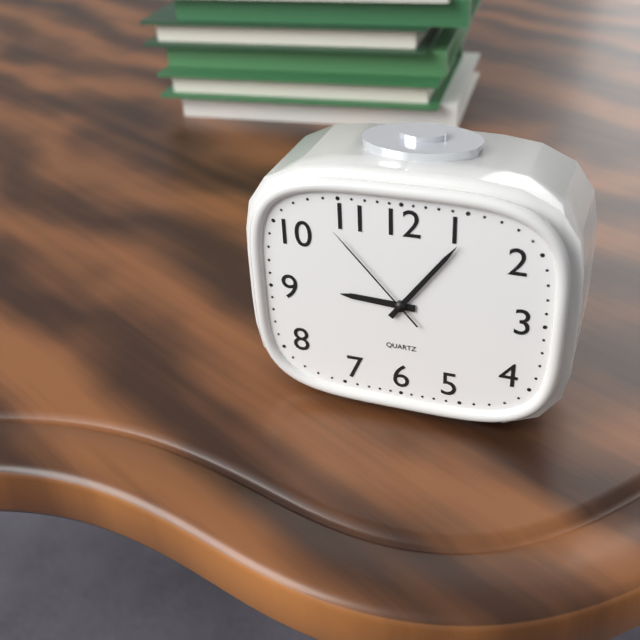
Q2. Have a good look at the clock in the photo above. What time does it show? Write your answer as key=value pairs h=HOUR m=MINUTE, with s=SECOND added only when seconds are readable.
h=9 m=6 s=53
